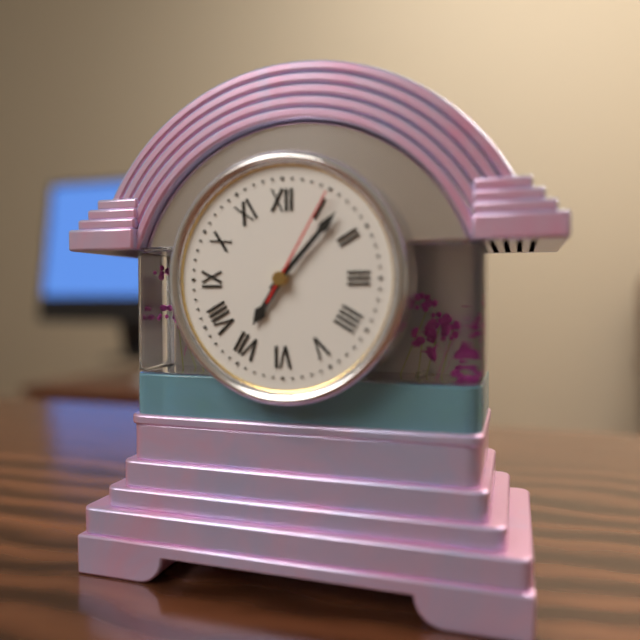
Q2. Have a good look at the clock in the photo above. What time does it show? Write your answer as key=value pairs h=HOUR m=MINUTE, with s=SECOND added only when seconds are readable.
h=7 m=7 s=5
